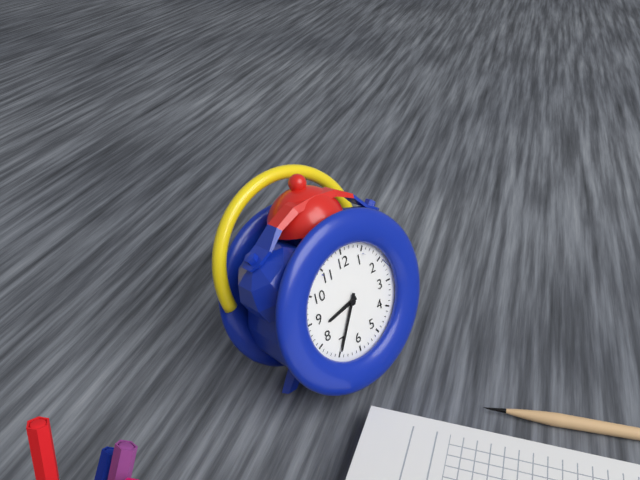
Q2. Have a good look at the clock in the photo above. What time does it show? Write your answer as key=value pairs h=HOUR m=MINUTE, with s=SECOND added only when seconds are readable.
h=8 m=35
